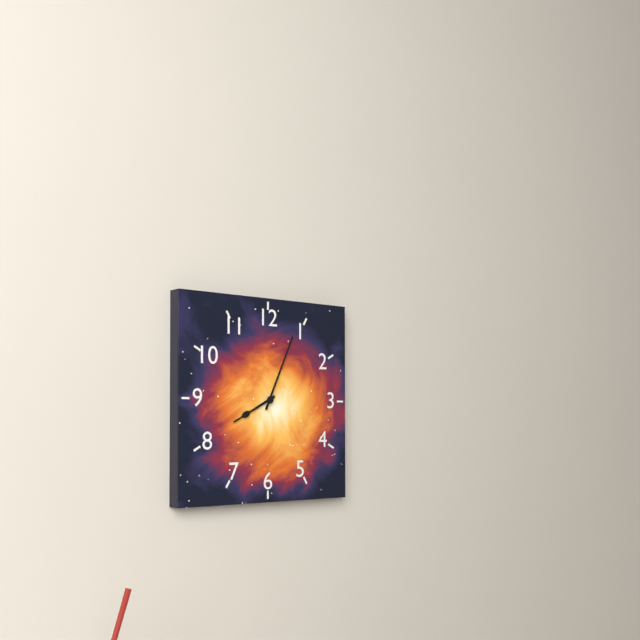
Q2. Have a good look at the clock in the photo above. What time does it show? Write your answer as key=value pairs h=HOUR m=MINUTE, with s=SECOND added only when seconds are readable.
h=8 m=4
